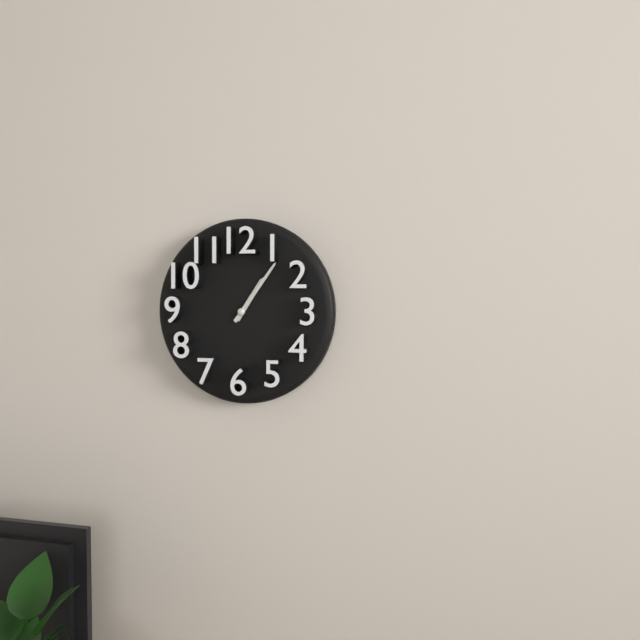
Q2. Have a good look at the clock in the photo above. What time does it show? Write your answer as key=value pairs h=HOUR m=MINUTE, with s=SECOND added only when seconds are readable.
h=1 m=6
